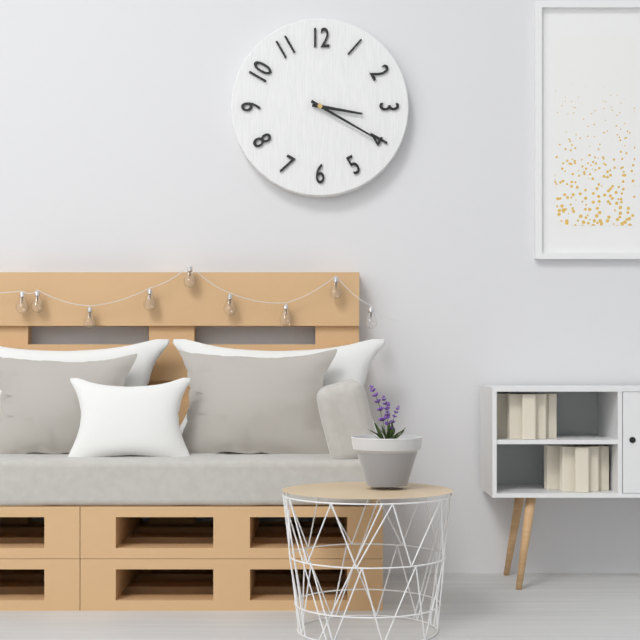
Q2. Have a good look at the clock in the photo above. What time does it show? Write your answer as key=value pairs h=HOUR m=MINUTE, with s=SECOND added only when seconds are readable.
h=3 m=20
